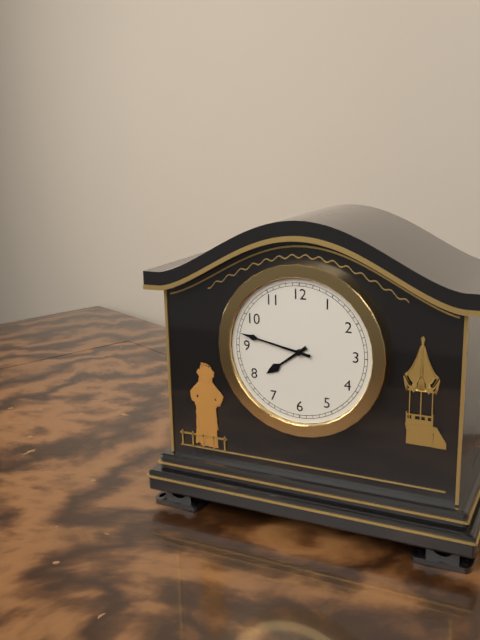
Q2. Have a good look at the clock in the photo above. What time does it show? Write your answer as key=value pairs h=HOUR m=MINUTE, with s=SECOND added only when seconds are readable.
h=7 m=47
